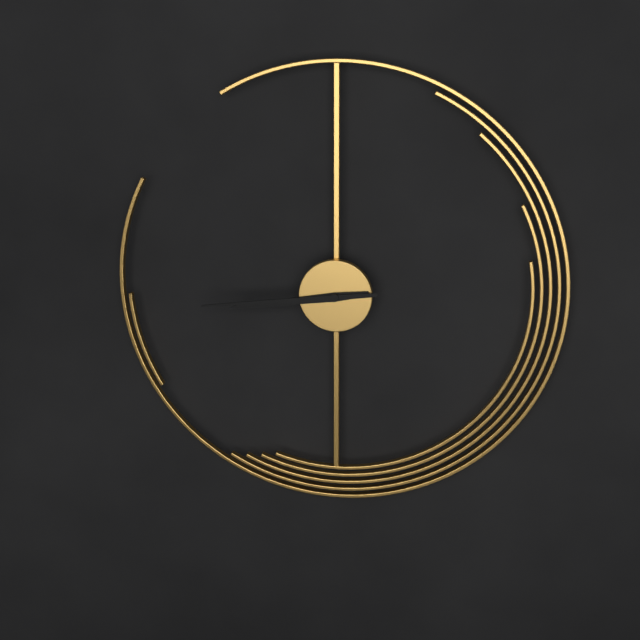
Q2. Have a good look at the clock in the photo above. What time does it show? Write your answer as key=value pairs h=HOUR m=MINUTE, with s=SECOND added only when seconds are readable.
h=8 m=44
